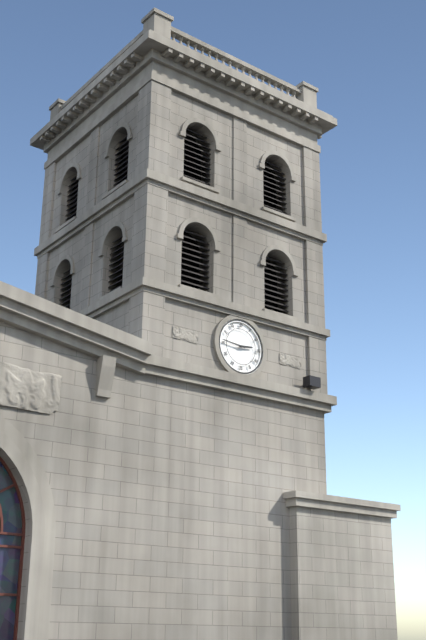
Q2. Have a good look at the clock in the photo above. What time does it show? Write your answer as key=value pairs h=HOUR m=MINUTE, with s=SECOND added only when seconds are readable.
h=2 m=46
